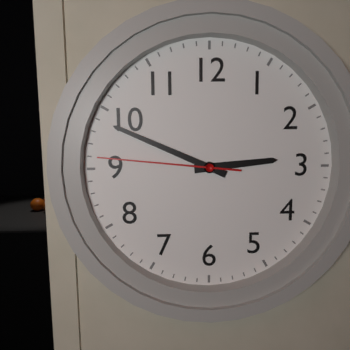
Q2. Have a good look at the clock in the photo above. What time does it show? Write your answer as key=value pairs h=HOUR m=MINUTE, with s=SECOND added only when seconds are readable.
h=2 m=49 s=46
